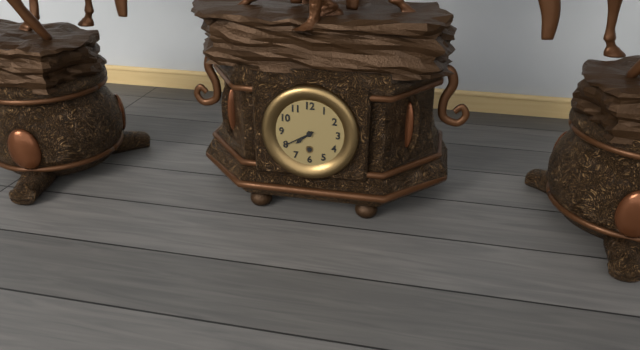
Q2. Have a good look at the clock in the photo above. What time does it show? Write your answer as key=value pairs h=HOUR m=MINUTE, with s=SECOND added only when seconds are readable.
h=7 m=40
